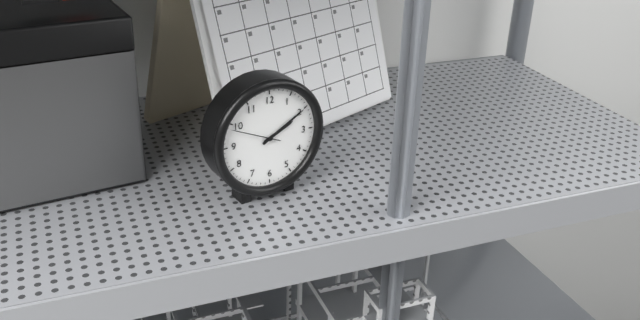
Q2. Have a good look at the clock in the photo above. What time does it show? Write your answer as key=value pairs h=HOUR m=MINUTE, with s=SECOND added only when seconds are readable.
h=2 m=10 s=49
